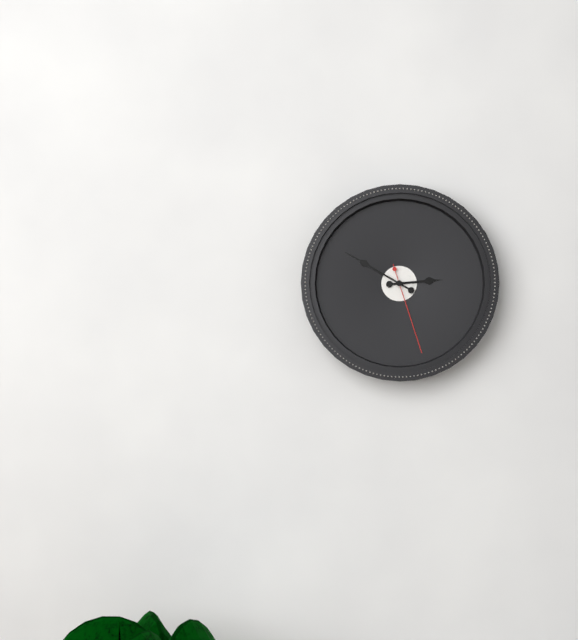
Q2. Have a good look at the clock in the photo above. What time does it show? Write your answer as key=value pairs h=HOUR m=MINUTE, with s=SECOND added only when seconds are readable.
h=2 m=50 s=27
